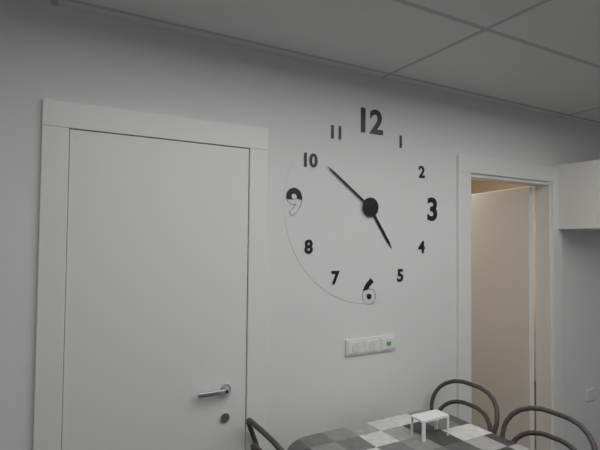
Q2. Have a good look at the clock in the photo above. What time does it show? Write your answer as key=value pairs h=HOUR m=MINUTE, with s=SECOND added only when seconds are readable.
h=4 m=51
